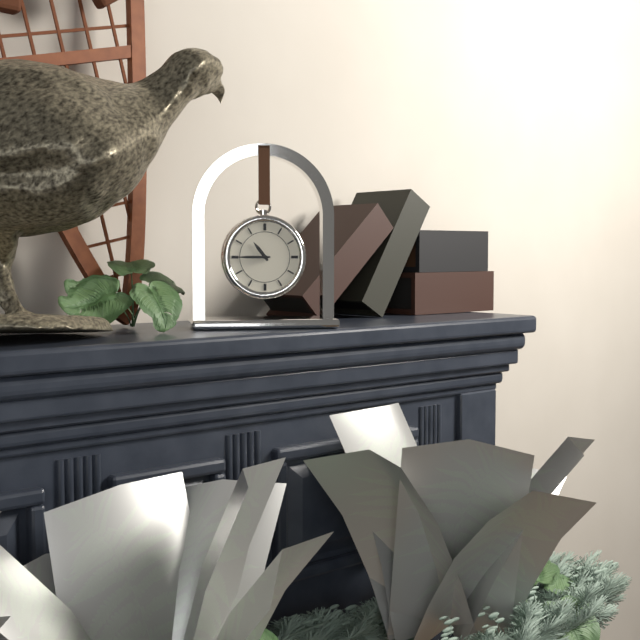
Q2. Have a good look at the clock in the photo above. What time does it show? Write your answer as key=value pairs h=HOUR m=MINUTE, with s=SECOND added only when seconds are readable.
h=10 m=45
